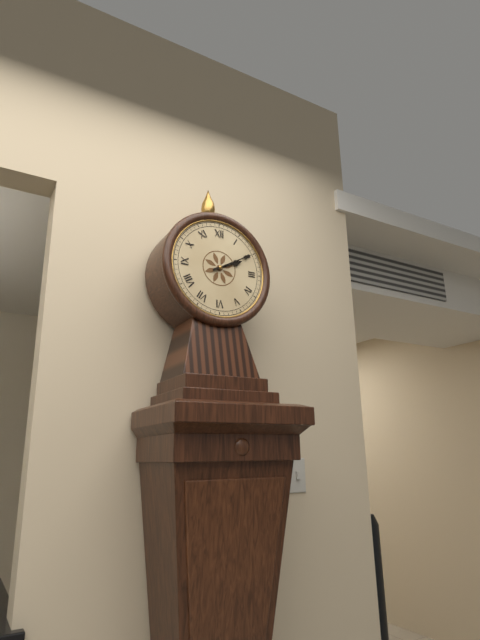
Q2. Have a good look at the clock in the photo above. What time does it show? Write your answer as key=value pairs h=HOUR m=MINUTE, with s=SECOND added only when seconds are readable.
h=2 m=10
